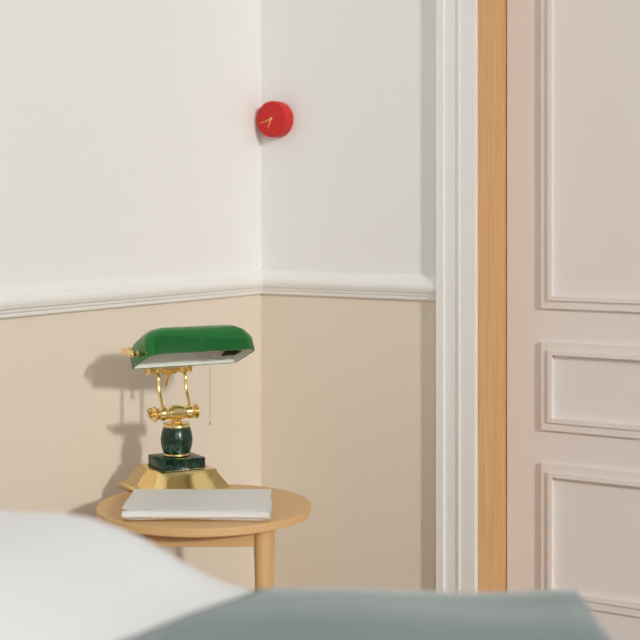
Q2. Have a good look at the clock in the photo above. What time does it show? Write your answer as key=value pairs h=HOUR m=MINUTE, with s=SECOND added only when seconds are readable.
h=6 m=42
